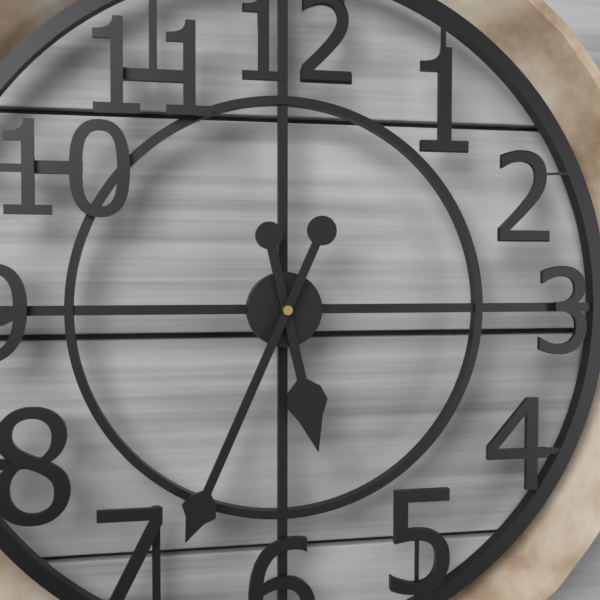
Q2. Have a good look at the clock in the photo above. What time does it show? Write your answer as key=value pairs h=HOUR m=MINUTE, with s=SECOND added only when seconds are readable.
h=5 m=34
